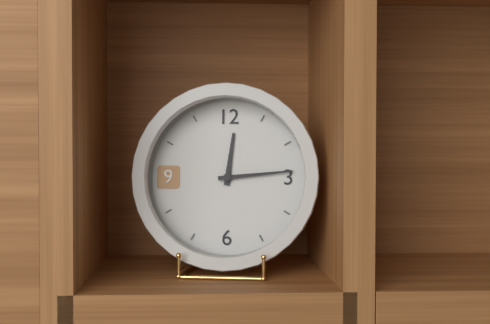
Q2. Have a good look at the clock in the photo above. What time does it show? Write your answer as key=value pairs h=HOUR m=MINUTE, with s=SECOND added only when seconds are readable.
h=12 m=14
